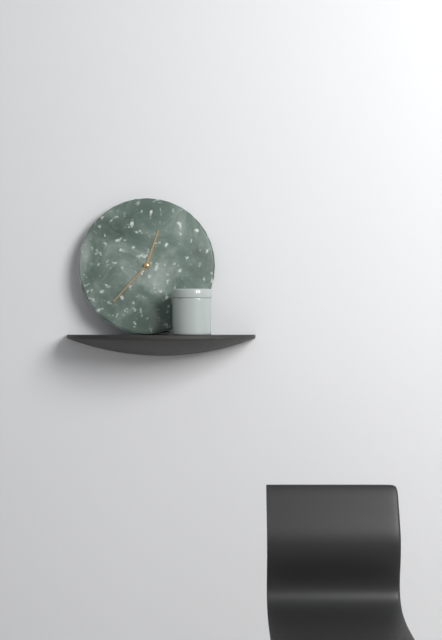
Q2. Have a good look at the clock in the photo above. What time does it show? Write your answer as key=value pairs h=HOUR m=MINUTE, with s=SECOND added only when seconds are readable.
h=12 m=37
